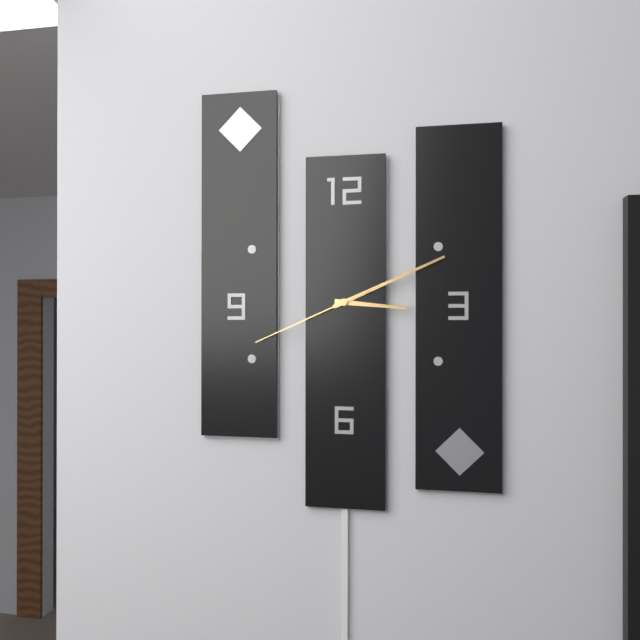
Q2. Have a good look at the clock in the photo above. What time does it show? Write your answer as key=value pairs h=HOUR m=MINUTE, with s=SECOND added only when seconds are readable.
h=3 m=11 s=41
